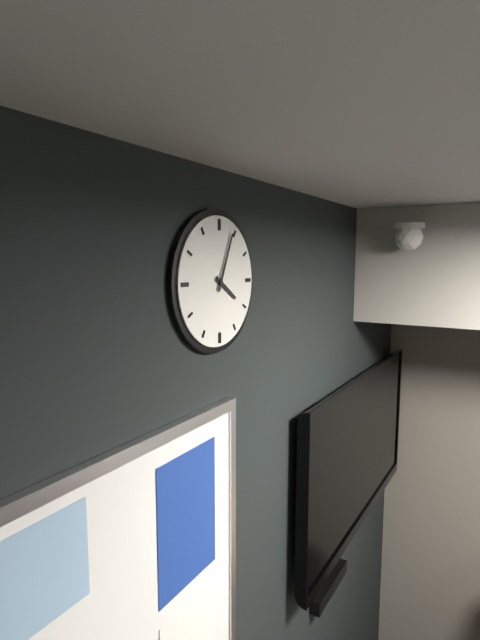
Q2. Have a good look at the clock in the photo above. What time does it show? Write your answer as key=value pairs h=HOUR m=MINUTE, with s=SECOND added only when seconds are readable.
h=4 m=4
